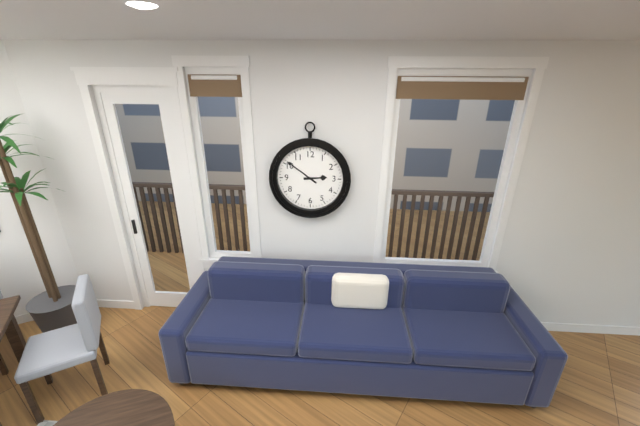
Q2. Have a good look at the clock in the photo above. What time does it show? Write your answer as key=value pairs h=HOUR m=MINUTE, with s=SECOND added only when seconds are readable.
h=2 m=51
